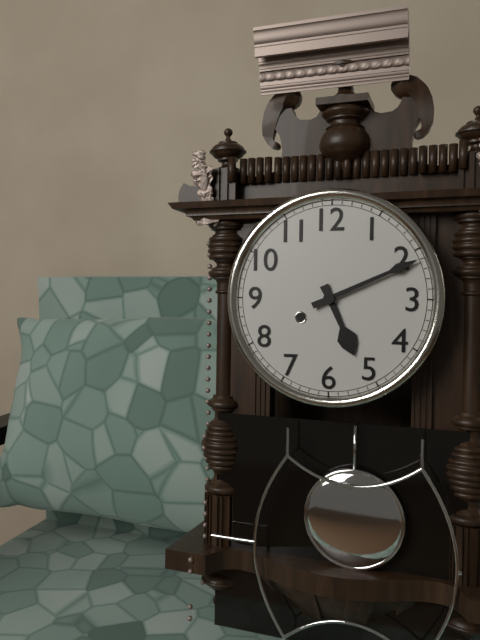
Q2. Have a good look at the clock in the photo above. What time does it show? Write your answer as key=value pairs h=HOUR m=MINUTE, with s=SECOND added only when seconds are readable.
h=5 m=11
